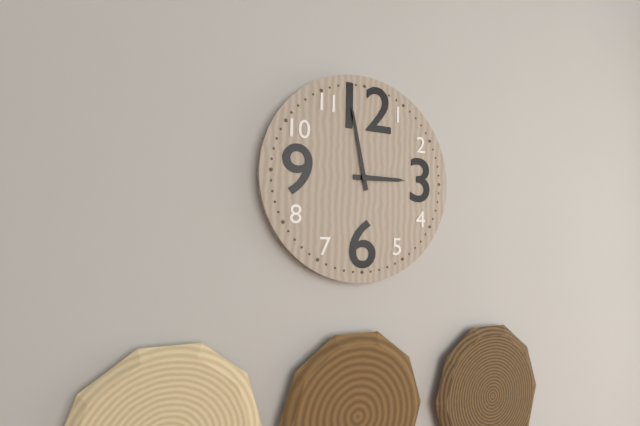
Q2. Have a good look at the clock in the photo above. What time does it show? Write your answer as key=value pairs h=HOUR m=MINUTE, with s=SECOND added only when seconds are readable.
h=2 m=58
